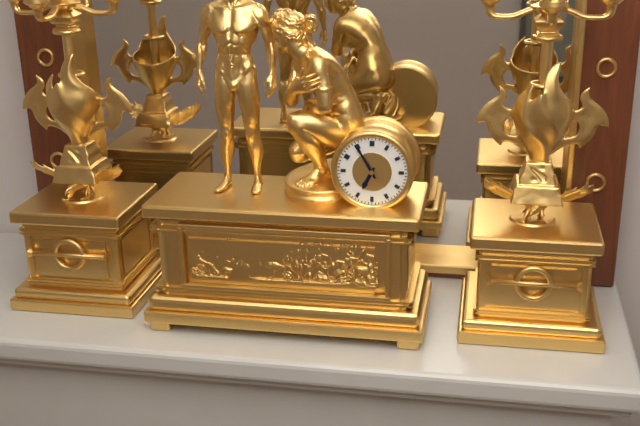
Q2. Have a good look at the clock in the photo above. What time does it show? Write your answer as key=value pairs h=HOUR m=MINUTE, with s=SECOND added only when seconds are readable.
h=6 m=55
